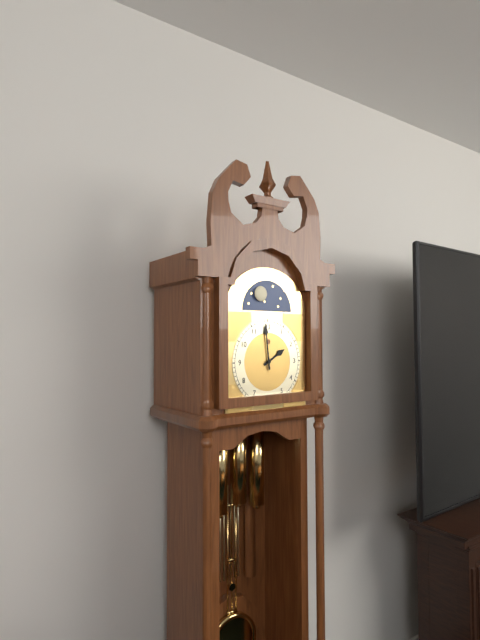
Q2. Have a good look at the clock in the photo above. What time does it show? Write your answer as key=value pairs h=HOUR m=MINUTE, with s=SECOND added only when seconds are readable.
h=1 m=59
